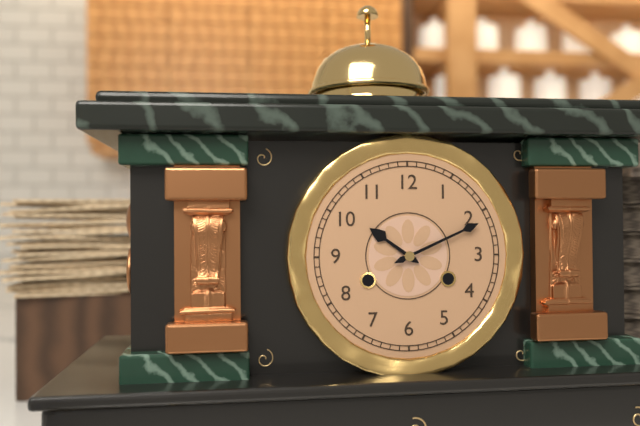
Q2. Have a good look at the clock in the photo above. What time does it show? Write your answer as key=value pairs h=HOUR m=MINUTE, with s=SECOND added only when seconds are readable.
h=10 m=11
